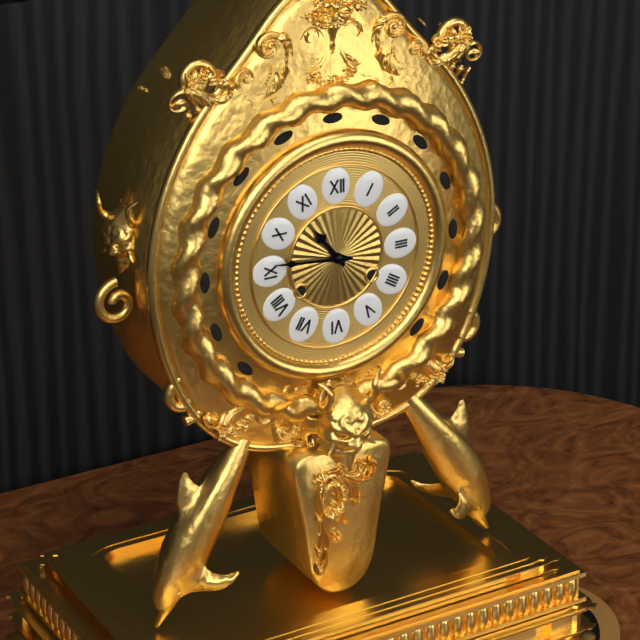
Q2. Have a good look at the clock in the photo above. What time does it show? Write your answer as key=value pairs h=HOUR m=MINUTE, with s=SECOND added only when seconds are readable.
h=10 m=46
